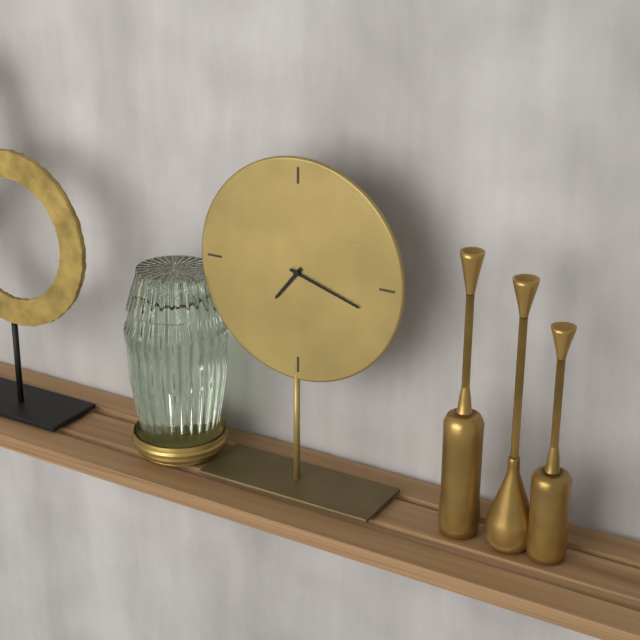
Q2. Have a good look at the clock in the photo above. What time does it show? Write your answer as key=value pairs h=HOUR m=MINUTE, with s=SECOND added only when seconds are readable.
h=7 m=18
